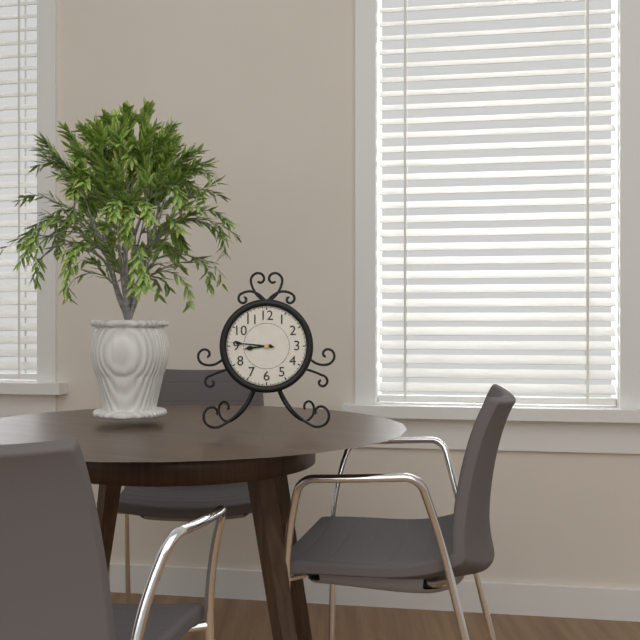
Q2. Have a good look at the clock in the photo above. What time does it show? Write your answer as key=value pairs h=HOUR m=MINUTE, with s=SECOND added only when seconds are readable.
h=8 m=46
